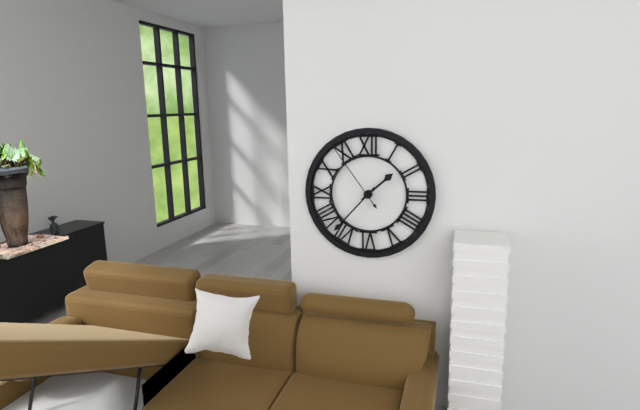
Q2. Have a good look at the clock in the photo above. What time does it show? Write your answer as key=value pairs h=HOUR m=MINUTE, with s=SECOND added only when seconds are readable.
h=1 m=37 s=54
